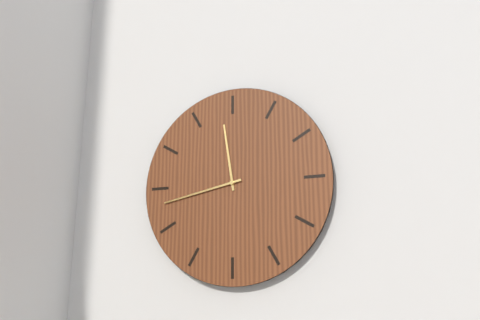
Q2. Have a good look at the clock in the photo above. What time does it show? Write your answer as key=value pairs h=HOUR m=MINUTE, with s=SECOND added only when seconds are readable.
h=11 m=43
